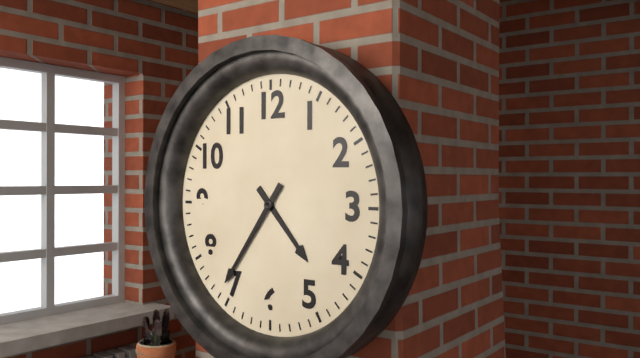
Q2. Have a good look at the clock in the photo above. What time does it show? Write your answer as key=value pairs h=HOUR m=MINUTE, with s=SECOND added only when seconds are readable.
h=4 m=36
